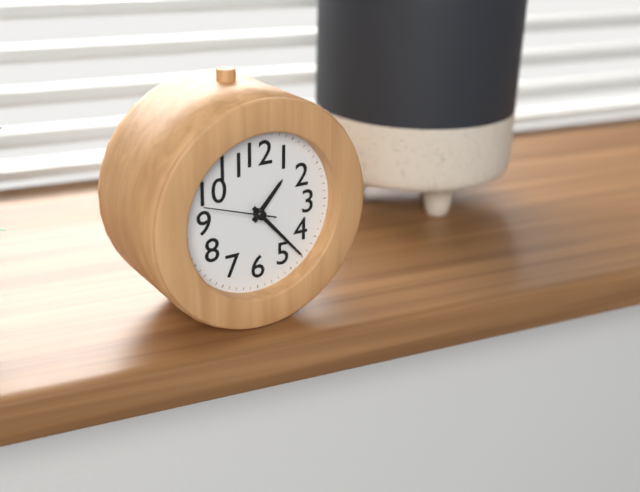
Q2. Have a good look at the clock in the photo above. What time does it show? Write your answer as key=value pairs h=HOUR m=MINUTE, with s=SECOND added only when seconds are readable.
h=1 m=23 s=48
